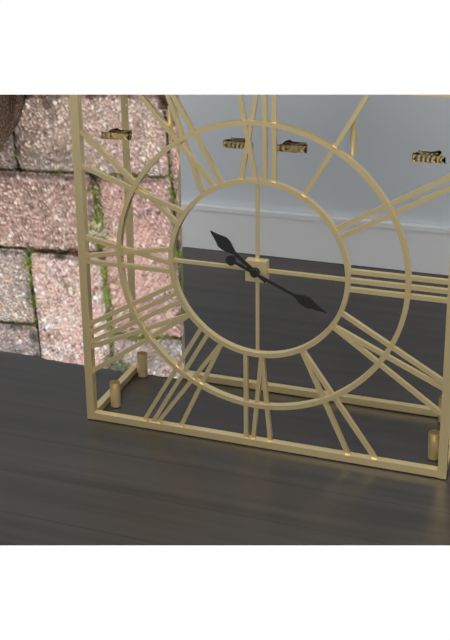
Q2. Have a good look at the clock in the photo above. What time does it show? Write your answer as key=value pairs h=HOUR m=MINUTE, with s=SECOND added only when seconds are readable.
h=10 m=19
